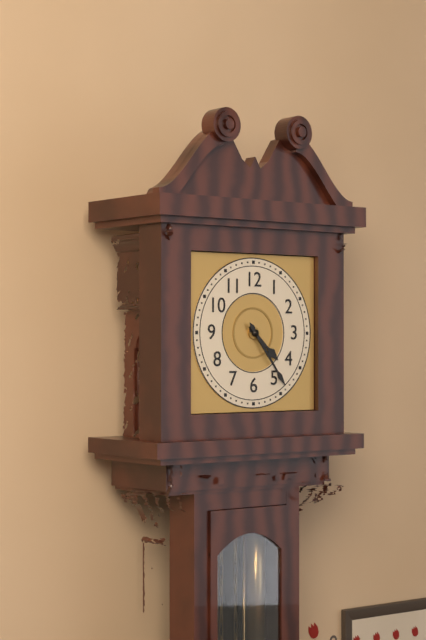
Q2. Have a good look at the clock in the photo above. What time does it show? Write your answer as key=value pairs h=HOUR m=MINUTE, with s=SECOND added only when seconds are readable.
h=4 m=24
